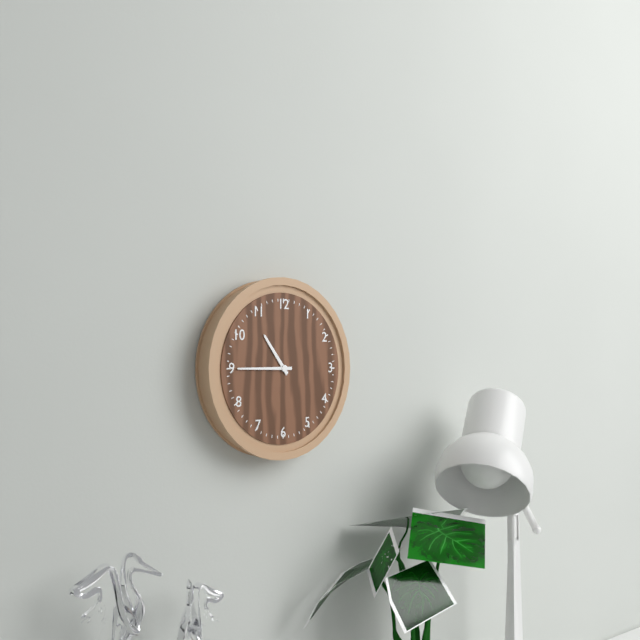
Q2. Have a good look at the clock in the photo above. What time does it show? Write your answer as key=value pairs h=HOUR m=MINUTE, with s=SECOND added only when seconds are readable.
h=10 m=45
